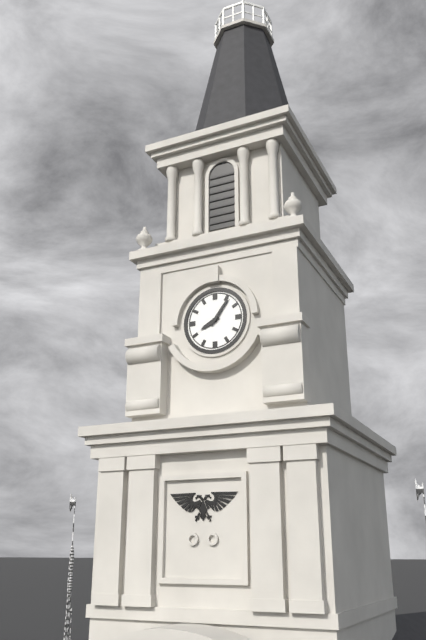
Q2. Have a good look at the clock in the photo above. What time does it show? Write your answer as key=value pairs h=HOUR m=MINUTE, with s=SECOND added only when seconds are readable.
h=8 m=6
